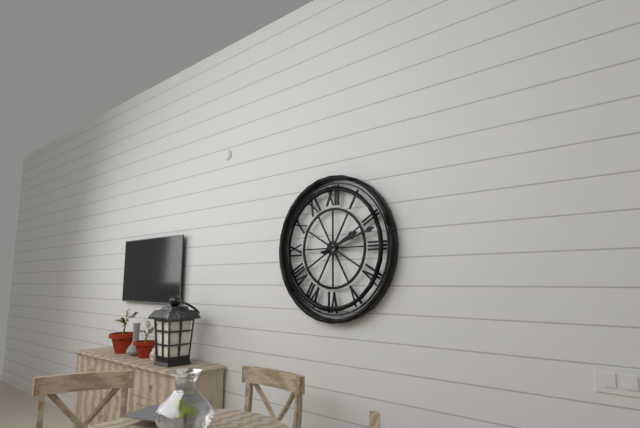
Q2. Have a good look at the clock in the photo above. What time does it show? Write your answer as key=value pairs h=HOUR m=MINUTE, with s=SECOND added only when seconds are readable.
h=2 m=12
